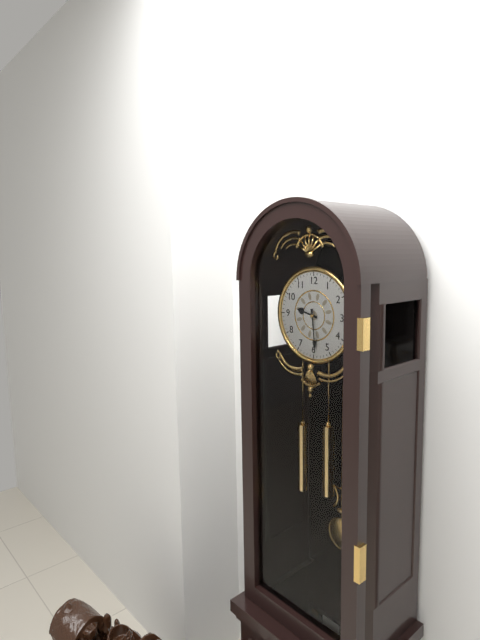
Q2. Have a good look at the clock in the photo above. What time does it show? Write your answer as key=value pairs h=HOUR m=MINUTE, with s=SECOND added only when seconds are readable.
h=9 m=29
